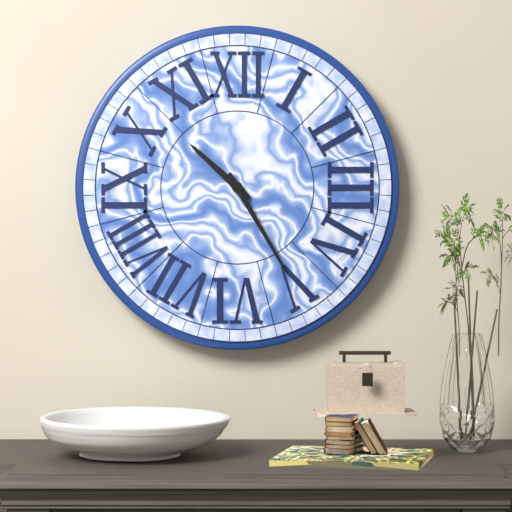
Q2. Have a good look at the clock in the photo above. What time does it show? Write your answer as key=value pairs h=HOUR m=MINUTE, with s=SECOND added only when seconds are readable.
h=10 m=25
